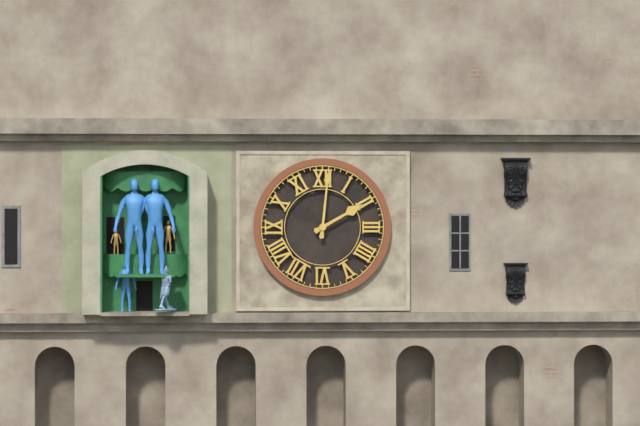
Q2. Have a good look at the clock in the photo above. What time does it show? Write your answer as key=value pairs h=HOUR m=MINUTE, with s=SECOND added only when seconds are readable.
h=2 m=1
